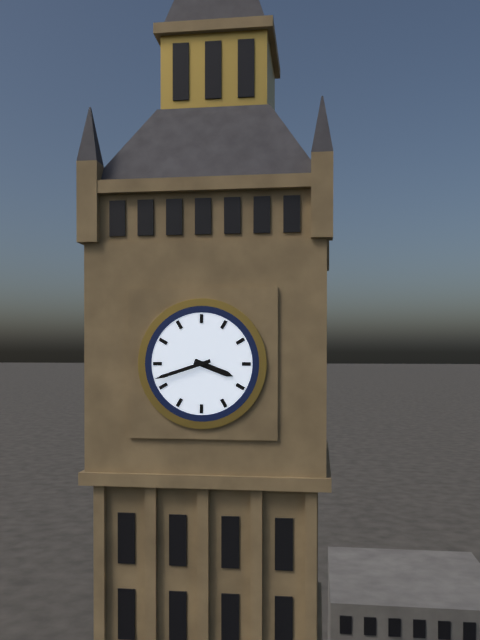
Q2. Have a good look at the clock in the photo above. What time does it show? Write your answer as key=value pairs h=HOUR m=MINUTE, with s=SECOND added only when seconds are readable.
h=3 m=42
